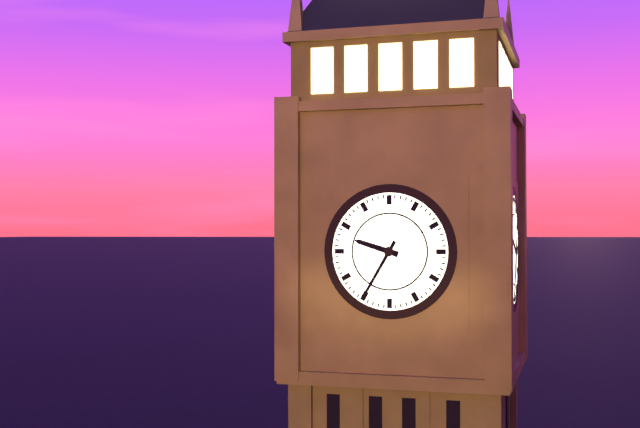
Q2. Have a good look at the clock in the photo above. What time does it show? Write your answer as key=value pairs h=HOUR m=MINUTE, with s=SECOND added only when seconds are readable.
h=9 m=35
